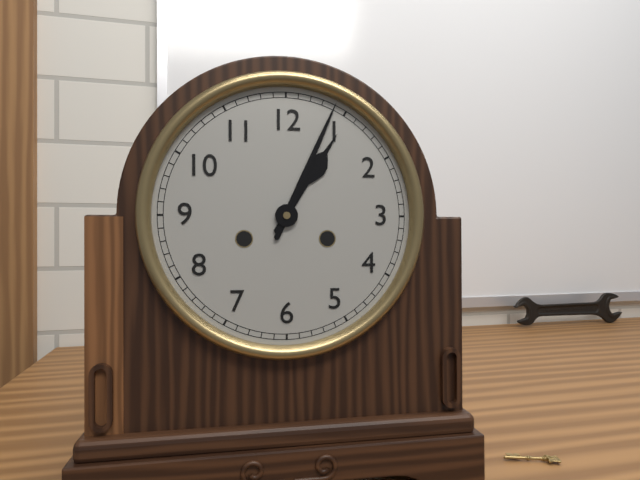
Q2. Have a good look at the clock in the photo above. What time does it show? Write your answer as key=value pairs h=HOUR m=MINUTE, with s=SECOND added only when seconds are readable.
h=1 m=4
